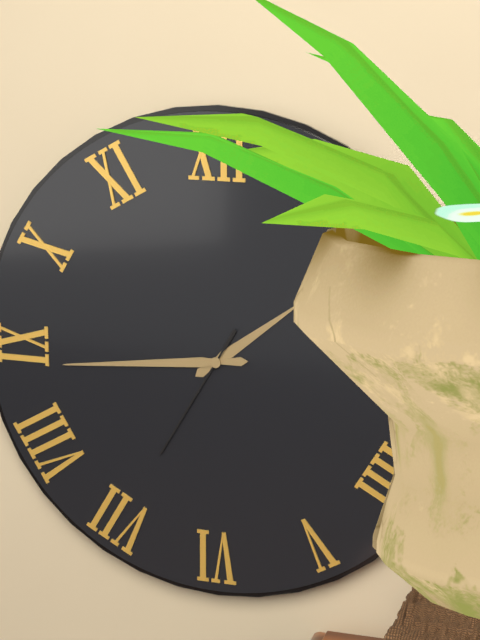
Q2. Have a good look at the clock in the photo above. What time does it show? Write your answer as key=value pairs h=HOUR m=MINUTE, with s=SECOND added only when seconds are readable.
h=1 m=44 s=35
